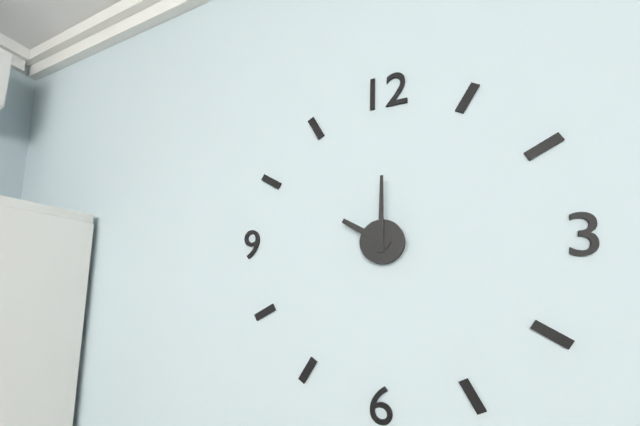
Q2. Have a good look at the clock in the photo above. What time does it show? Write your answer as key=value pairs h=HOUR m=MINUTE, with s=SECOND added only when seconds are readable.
h=10 m=0
